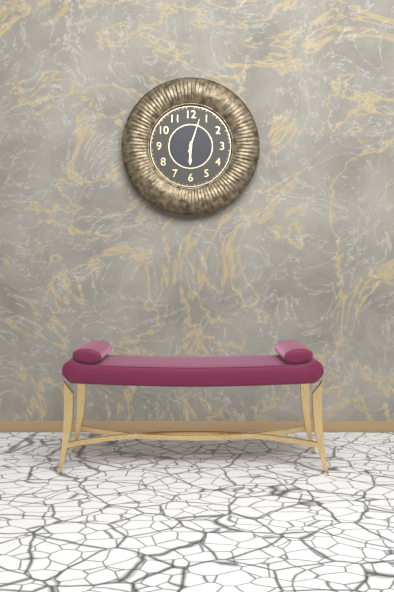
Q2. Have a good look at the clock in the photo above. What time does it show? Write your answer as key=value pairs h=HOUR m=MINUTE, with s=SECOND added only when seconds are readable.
h=6 m=3
